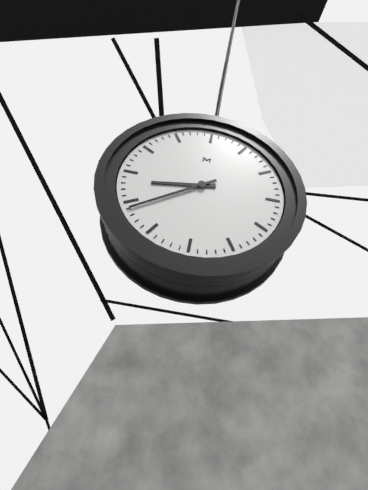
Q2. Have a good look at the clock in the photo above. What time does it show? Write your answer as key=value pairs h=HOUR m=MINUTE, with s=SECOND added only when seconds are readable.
h=8 m=39
